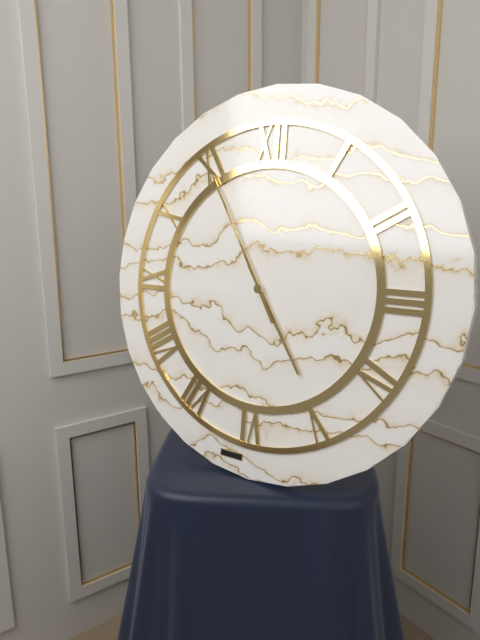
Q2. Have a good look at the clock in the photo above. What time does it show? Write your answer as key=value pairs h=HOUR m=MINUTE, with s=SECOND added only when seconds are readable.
h=4 m=55
